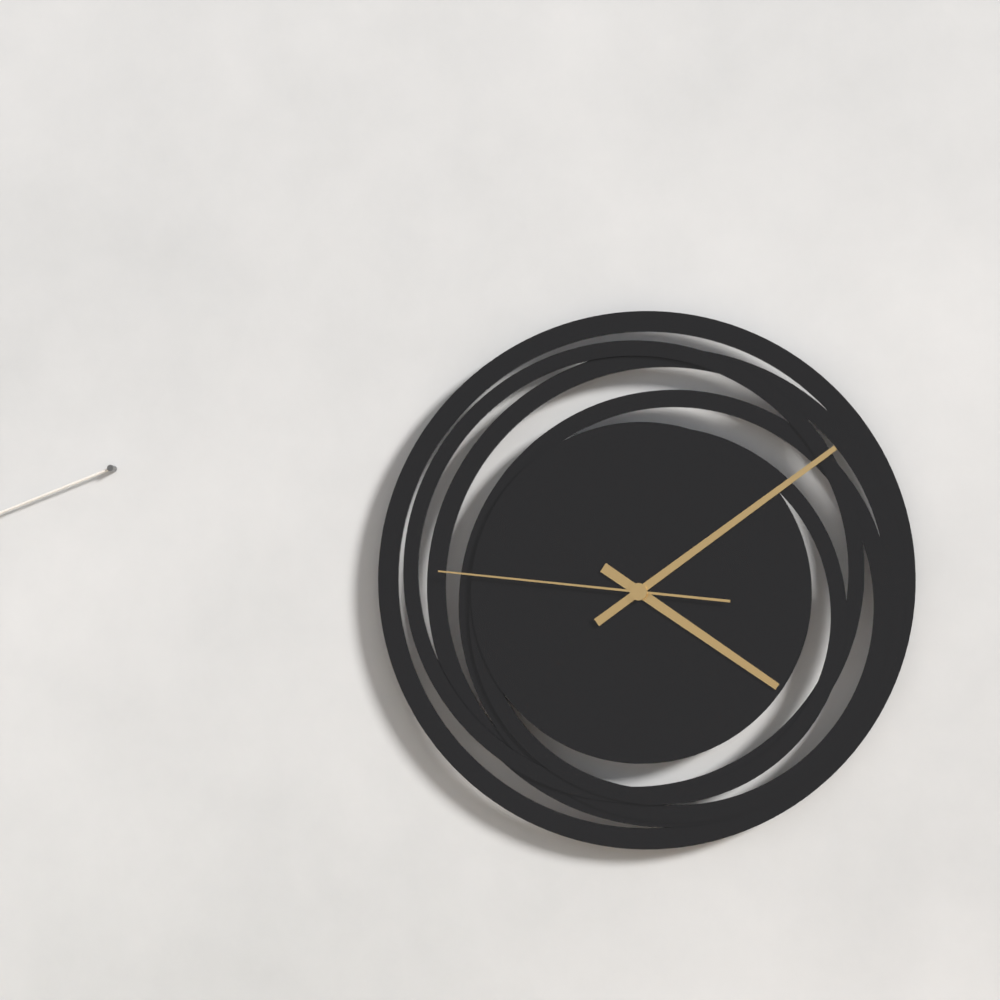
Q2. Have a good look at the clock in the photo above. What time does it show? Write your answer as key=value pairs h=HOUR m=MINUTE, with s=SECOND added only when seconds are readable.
h=4 m=9 s=46
